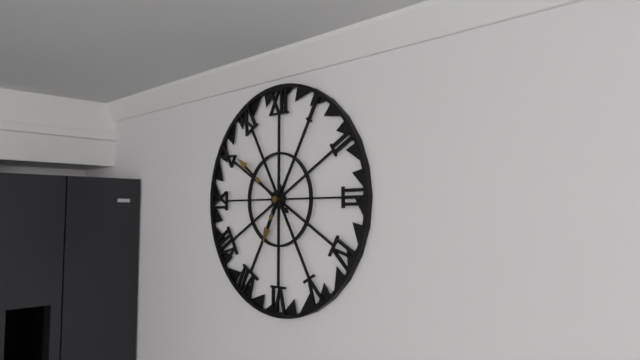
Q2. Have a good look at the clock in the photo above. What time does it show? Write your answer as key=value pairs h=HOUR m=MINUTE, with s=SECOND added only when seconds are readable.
h=6 m=51
